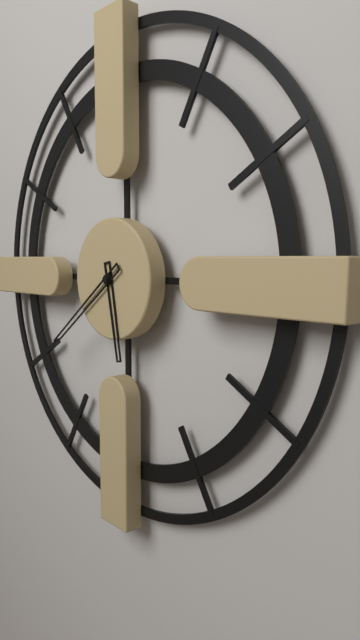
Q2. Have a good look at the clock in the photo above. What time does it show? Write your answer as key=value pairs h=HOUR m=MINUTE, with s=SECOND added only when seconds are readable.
h=5 m=39
